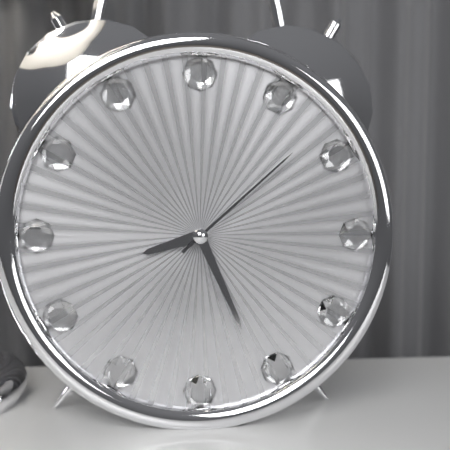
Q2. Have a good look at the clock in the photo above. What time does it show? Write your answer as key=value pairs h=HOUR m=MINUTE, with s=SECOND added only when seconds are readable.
h=8 m=26 s=8
